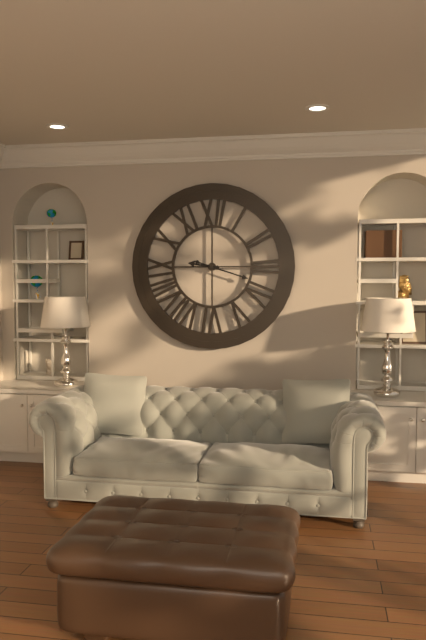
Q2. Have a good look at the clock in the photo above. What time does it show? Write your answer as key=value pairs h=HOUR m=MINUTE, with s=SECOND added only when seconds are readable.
h=9 m=18
